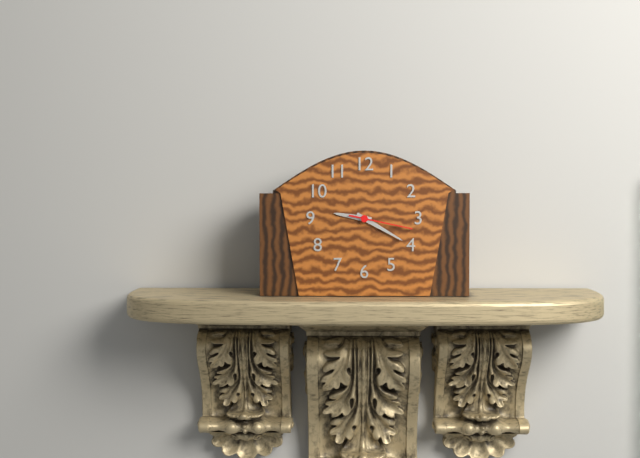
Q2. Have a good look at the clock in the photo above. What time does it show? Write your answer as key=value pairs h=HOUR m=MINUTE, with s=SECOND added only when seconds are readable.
h=9 m=20 s=17
